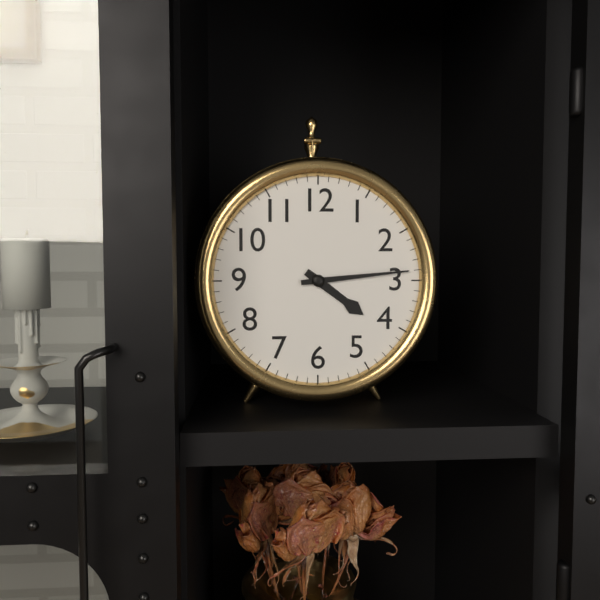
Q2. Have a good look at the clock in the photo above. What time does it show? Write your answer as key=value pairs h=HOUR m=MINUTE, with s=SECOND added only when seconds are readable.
h=4 m=14
